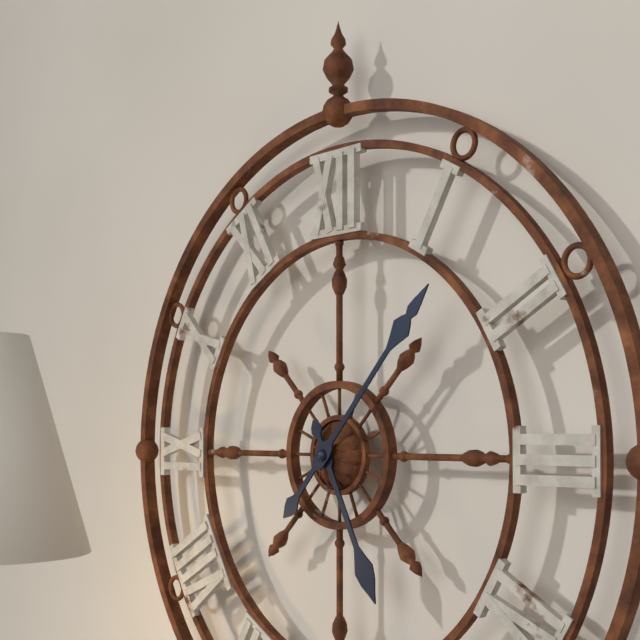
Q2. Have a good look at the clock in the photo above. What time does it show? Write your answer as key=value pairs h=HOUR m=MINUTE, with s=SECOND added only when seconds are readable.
h=5 m=7
